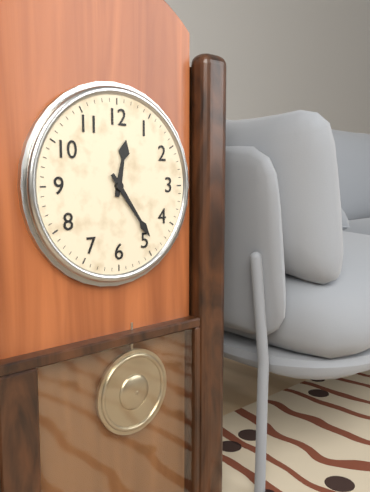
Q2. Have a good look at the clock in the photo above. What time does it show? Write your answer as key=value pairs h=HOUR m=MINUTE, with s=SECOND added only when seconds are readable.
h=12 m=24
